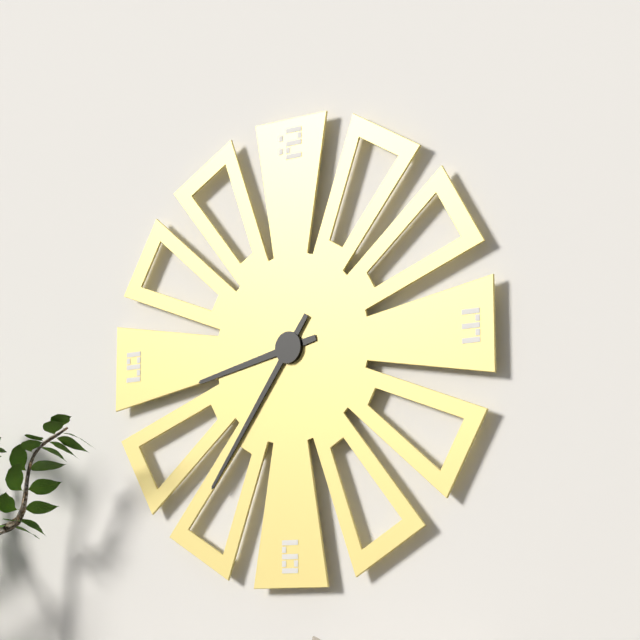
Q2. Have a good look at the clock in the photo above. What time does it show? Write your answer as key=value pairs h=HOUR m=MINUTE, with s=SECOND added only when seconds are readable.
h=8 m=36
